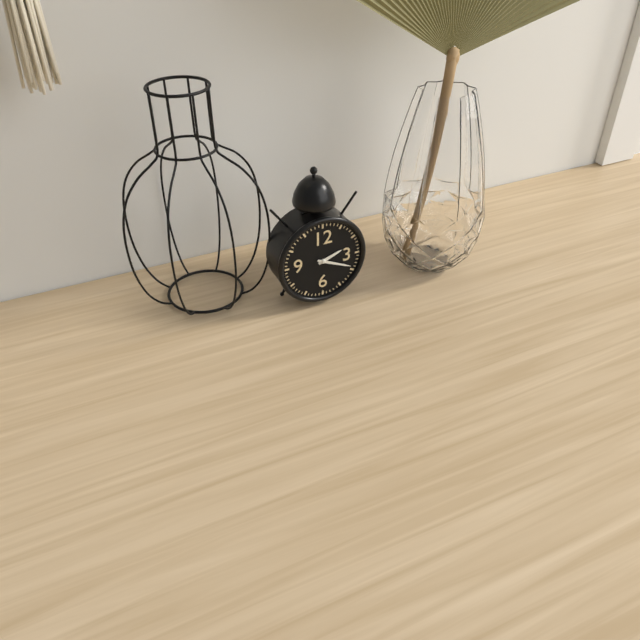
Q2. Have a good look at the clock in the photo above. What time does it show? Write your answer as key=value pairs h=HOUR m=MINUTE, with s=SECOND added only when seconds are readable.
h=2 m=19
